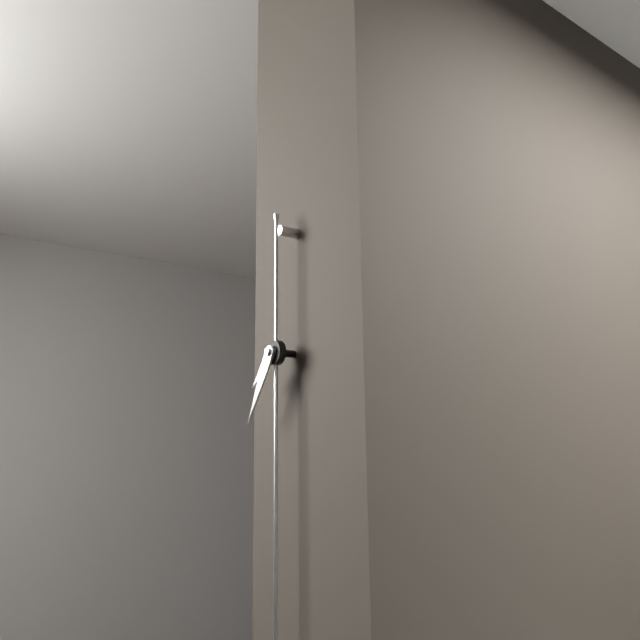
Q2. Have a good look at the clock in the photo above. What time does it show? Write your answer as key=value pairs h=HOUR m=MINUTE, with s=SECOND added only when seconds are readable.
h=7 m=35
